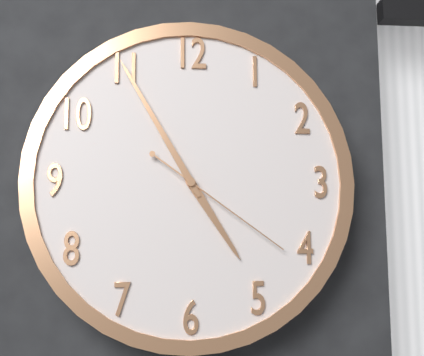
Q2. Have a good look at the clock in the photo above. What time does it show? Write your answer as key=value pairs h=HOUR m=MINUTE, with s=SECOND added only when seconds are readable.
h=4 m=55 s=21
